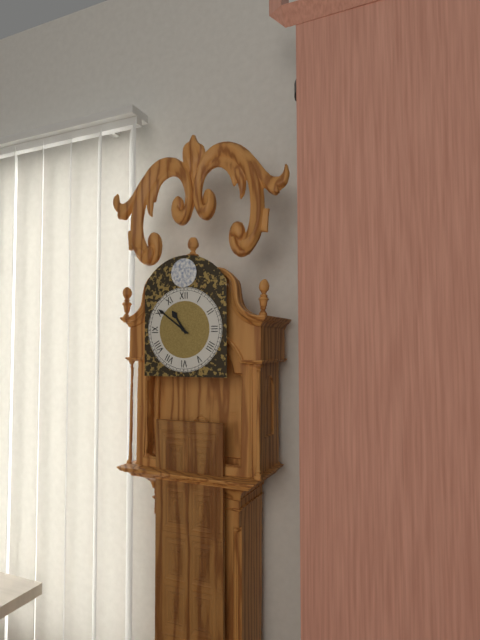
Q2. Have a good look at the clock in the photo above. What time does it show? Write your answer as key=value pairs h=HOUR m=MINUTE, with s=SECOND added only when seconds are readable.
h=10 m=51
